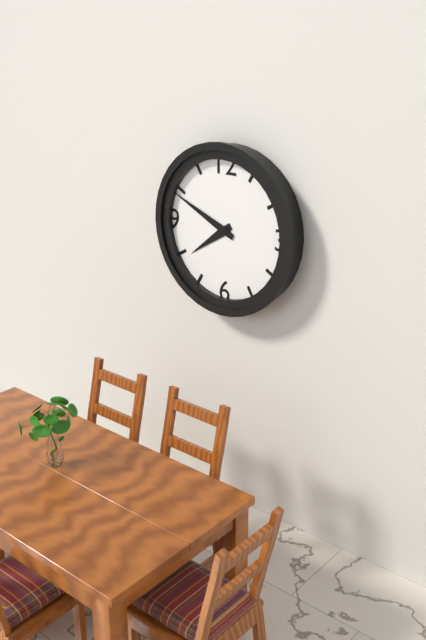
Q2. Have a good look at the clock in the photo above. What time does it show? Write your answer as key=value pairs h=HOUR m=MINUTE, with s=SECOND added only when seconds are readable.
h=7 m=49
